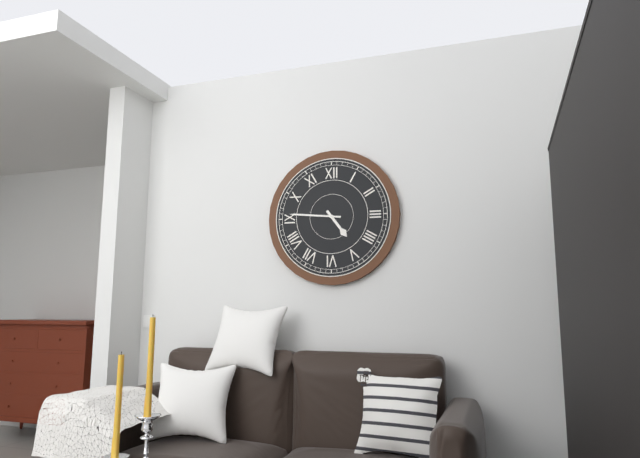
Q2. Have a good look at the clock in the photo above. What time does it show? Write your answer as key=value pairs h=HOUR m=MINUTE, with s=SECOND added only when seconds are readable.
h=4 m=46
